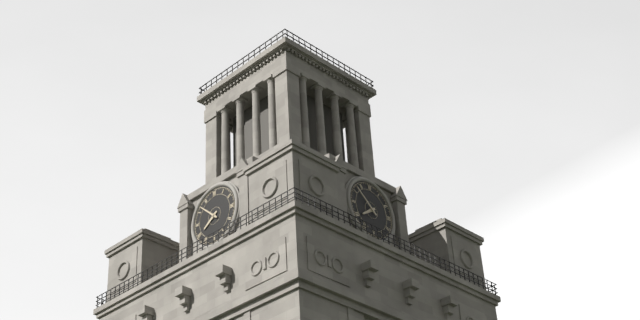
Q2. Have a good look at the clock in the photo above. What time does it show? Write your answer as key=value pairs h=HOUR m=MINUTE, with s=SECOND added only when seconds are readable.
h=7 m=52
